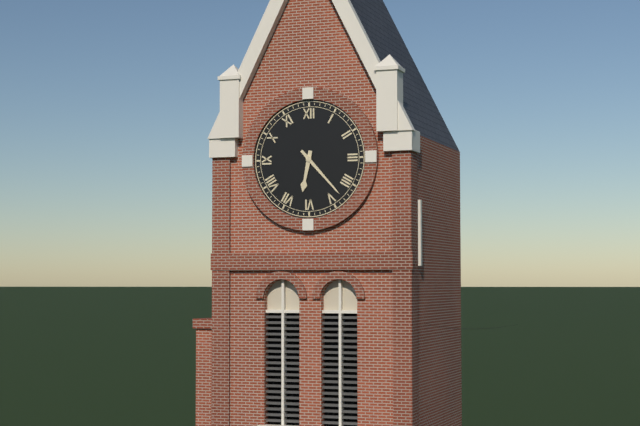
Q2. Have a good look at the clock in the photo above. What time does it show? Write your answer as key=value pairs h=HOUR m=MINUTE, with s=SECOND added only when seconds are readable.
h=6 m=23
